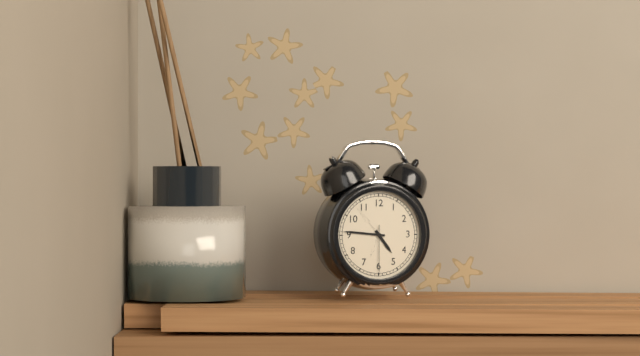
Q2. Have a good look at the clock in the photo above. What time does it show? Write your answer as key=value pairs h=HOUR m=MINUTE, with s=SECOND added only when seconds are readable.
h=4 m=46
